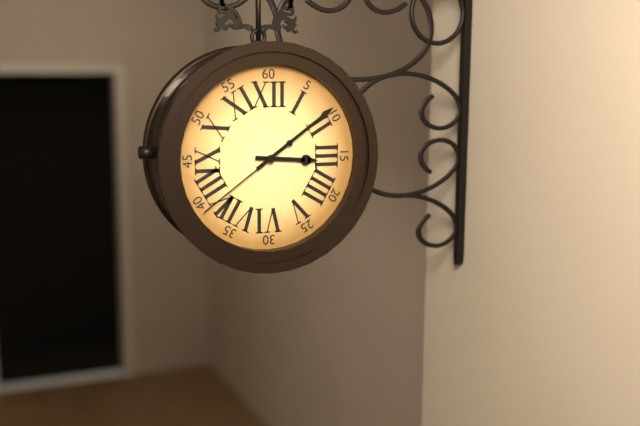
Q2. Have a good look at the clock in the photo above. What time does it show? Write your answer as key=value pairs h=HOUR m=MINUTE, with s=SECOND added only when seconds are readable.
h=3 m=9 s=39
